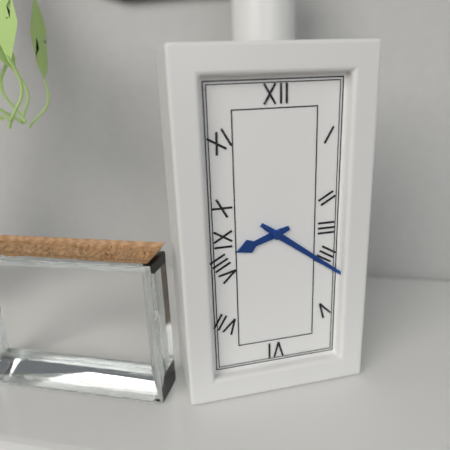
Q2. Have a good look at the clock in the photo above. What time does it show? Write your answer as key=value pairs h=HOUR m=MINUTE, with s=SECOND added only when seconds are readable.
h=8 m=21
